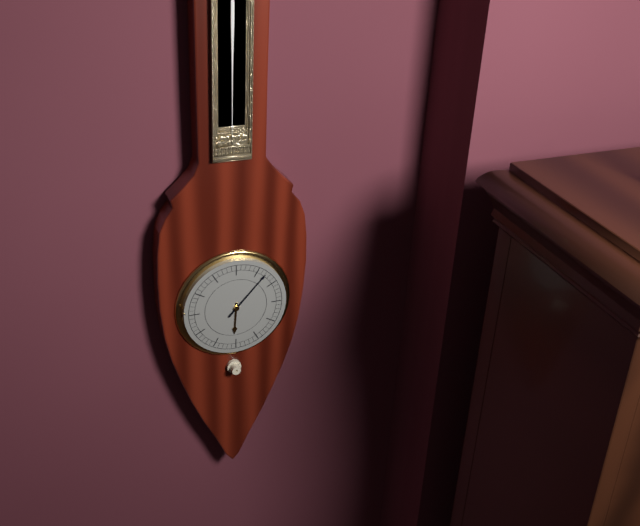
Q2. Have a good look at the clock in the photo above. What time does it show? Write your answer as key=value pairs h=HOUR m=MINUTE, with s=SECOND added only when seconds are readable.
h=6 m=7
